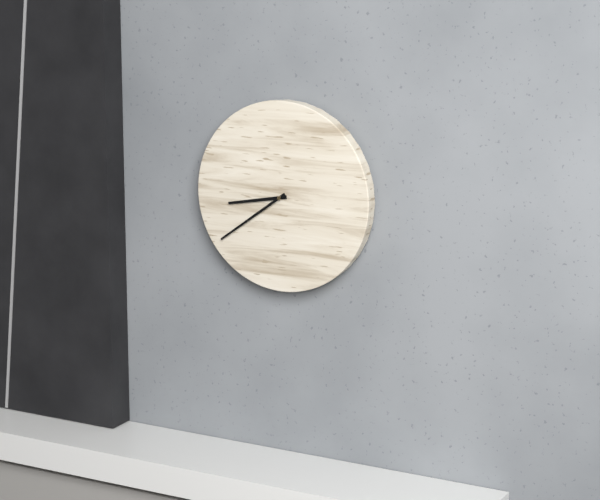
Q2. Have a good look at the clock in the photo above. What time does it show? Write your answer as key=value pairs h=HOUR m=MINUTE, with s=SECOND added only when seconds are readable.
h=8 m=39
